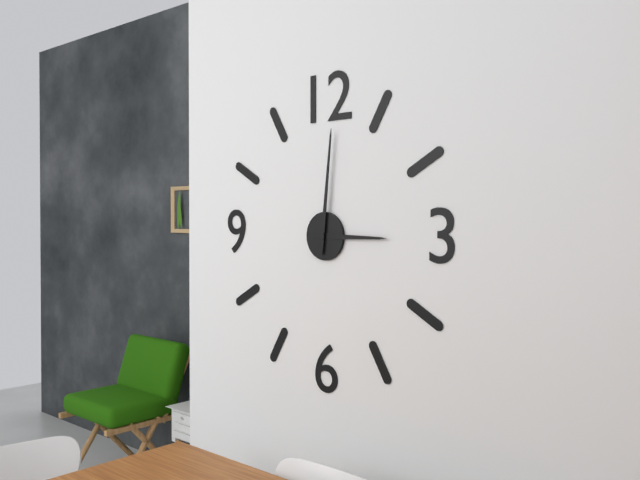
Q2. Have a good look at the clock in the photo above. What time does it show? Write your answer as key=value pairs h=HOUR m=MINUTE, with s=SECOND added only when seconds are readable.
h=3 m=1
